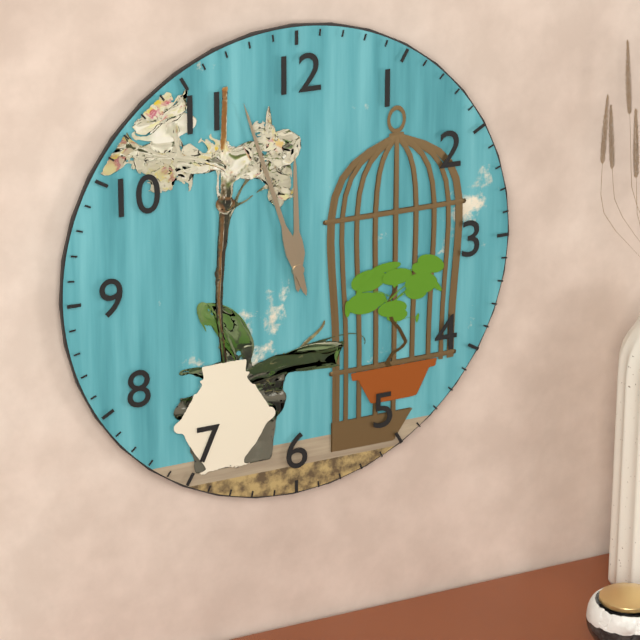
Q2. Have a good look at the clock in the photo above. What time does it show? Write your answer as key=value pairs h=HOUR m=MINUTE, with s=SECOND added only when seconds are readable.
h=11 m=57
